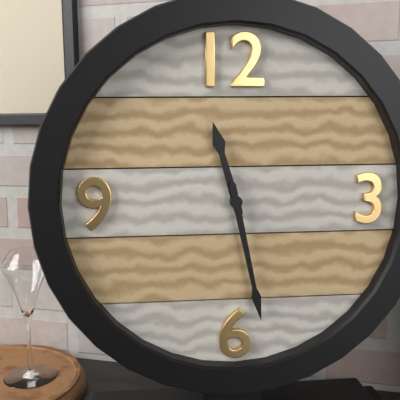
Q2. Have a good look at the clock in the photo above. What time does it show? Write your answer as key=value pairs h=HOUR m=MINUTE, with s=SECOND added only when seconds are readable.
h=11 m=28
